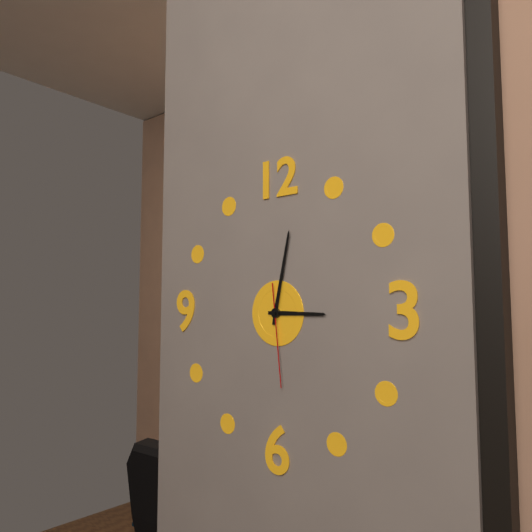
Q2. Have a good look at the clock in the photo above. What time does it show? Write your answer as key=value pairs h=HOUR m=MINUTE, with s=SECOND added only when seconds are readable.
h=3 m=2 s=29
